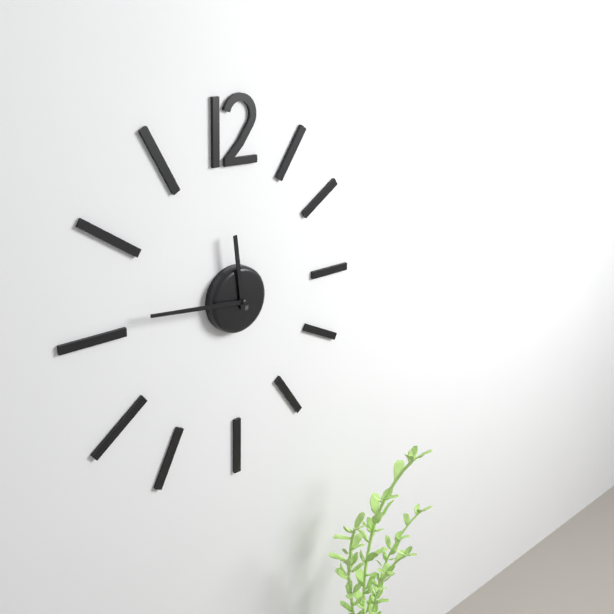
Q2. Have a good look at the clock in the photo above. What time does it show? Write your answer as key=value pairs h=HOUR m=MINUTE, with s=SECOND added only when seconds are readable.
h=11 m=46
